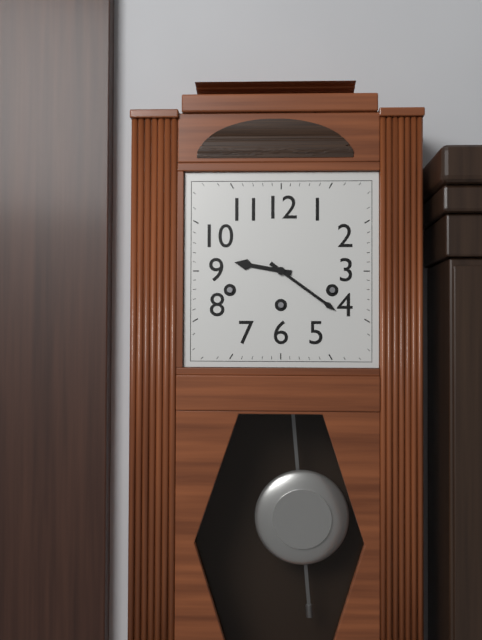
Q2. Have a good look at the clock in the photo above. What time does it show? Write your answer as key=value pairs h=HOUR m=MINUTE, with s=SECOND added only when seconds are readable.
h=9 m=21
